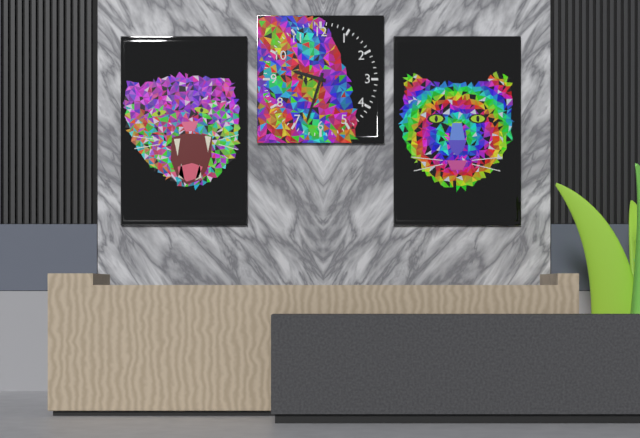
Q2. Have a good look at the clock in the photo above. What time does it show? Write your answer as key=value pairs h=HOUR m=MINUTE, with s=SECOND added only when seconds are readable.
h=9 m=33
